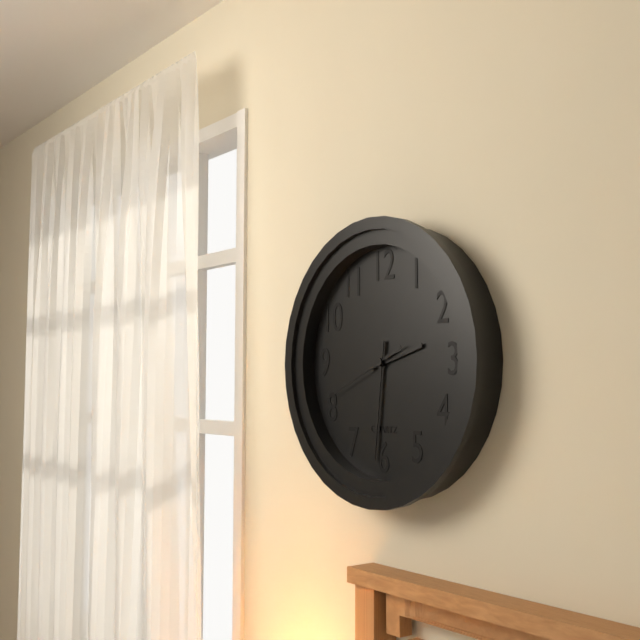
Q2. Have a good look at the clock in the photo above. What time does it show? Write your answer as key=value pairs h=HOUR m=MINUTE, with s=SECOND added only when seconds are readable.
h=2 m=31 s=41
